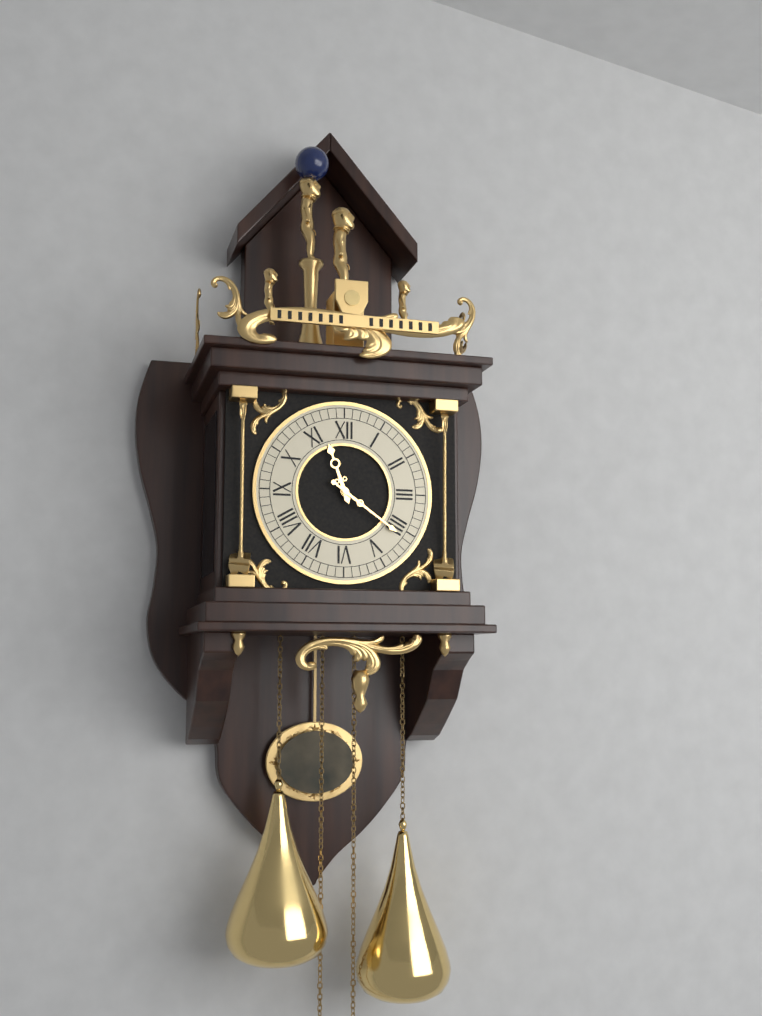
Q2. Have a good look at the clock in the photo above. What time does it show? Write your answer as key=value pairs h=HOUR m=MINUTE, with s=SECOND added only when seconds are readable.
h=11 m=21
